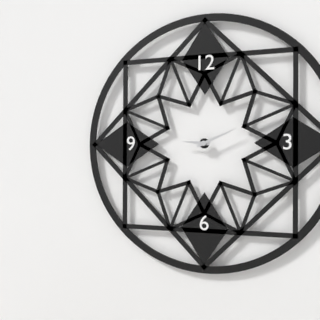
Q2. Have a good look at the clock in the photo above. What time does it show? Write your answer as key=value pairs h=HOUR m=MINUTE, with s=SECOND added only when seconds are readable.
h=9 m=11
